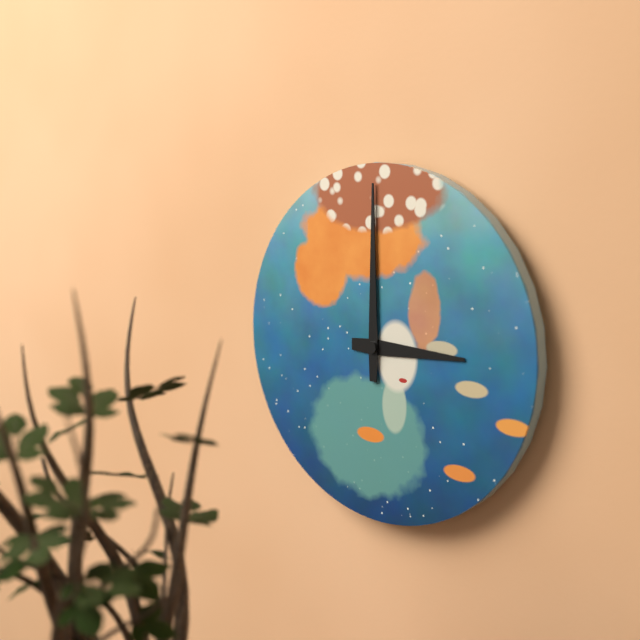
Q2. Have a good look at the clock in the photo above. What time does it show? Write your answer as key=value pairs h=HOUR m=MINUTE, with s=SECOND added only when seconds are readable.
h=3 m=0
